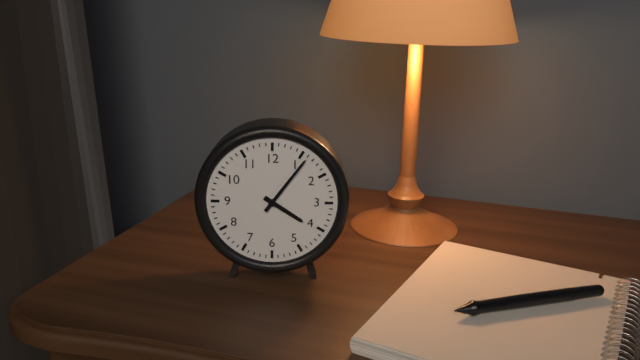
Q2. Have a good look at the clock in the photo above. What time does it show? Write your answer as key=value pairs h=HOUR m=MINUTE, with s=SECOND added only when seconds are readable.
h=4 m=6
